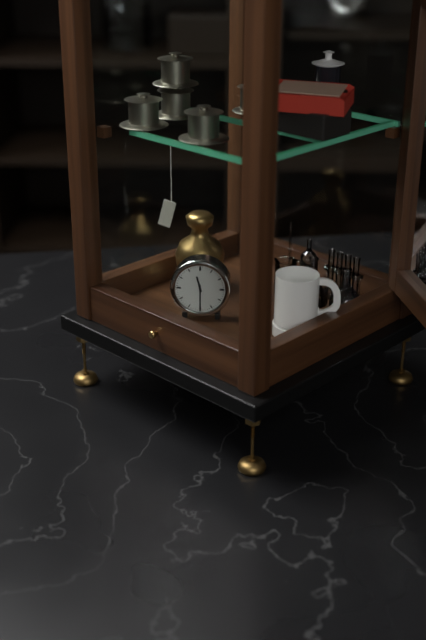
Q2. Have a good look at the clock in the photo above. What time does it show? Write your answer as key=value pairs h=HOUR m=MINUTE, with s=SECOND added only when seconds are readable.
h=11 m=30
